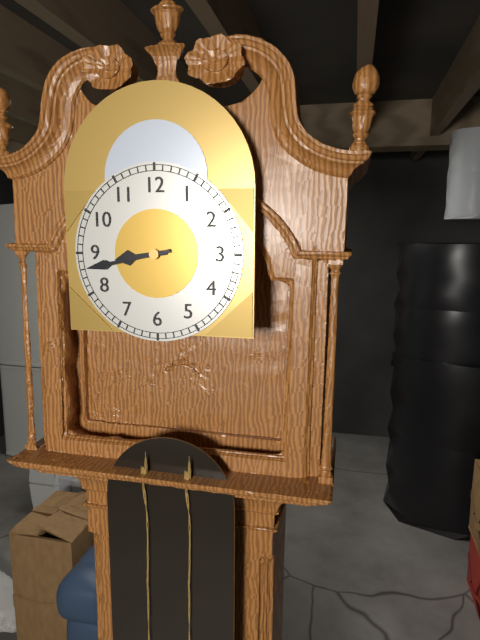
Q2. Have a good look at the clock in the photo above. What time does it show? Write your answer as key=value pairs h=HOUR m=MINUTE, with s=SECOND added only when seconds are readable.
h=8 m=43
